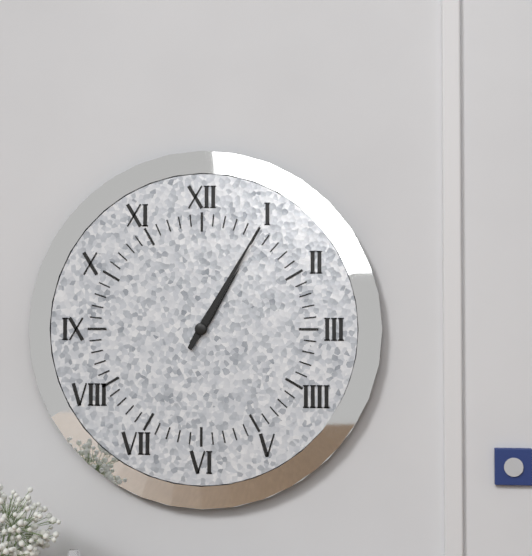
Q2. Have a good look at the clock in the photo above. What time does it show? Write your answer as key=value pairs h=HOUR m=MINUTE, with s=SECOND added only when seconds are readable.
h=1 m=5
